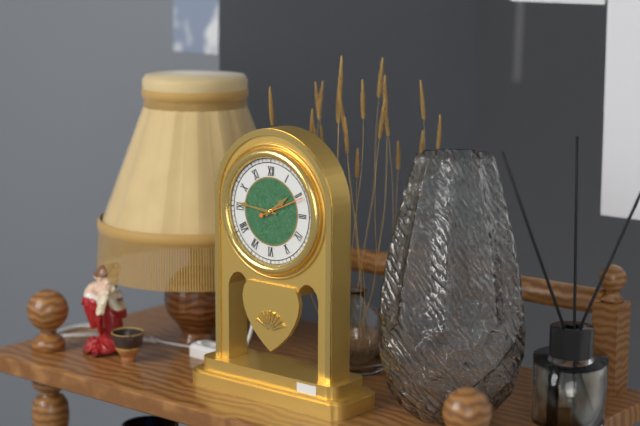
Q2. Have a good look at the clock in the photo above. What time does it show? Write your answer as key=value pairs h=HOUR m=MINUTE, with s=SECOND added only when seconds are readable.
h=1 m=46
